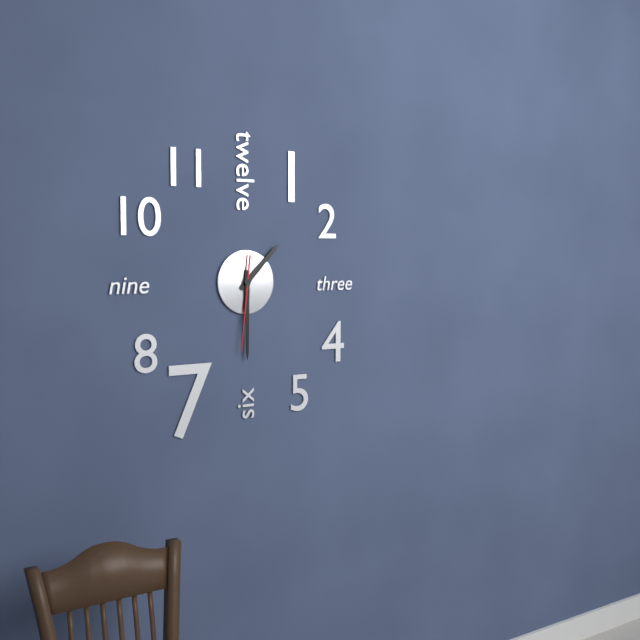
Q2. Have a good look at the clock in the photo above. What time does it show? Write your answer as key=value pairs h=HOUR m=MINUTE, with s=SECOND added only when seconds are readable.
h=1 m=30 s=31
